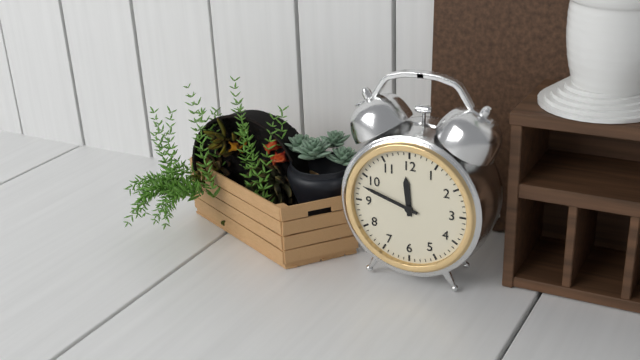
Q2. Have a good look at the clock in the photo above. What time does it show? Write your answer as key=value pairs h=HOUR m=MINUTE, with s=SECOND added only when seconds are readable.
h=11 m=48
